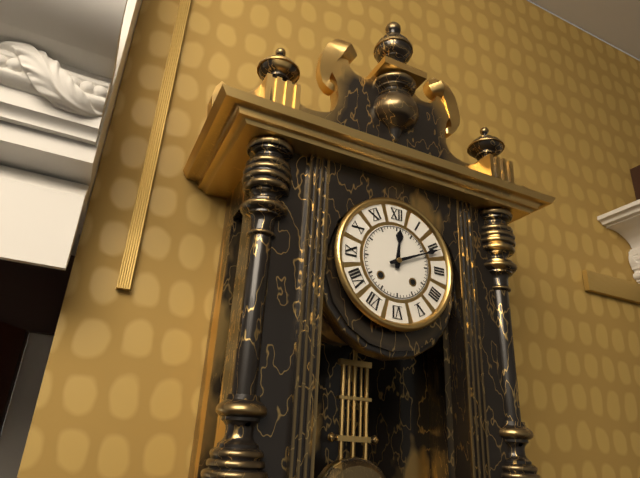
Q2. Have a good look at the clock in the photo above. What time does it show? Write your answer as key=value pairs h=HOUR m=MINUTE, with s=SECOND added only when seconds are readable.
h=12 m=11
